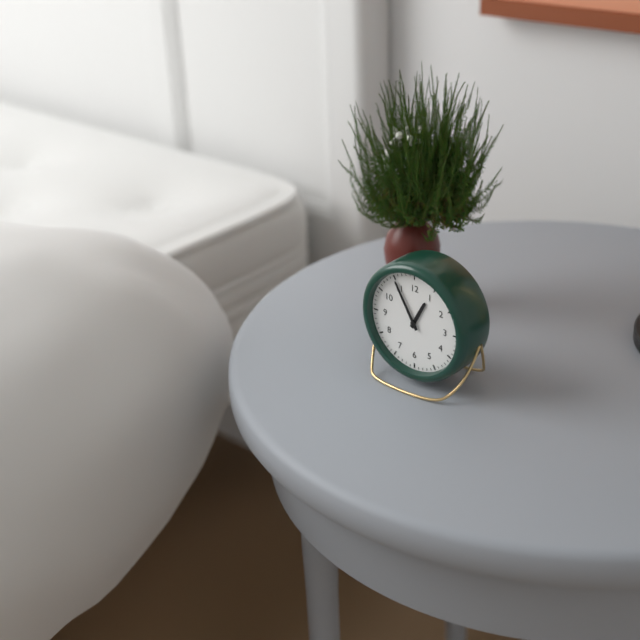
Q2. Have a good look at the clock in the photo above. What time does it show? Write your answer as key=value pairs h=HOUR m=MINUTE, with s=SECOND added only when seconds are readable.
h=12 m=55
